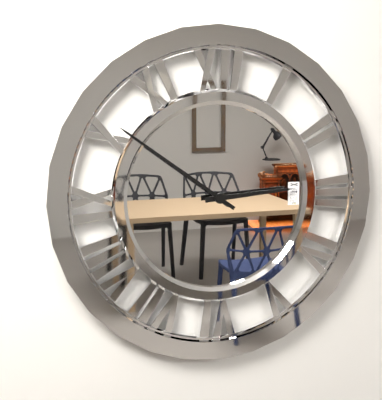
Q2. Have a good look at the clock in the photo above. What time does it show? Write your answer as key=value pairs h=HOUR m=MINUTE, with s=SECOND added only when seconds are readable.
h=2 m=51
